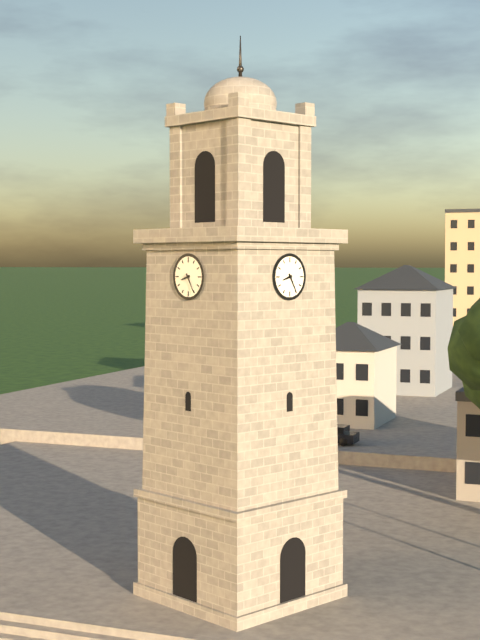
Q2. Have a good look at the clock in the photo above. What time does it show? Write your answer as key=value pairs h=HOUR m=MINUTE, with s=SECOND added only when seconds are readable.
h=8 m=25
